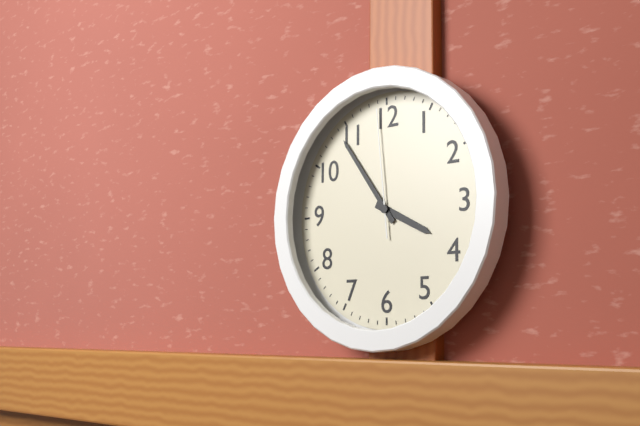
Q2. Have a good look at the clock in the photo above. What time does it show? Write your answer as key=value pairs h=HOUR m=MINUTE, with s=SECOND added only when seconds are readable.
h=3 m=54 s=59
